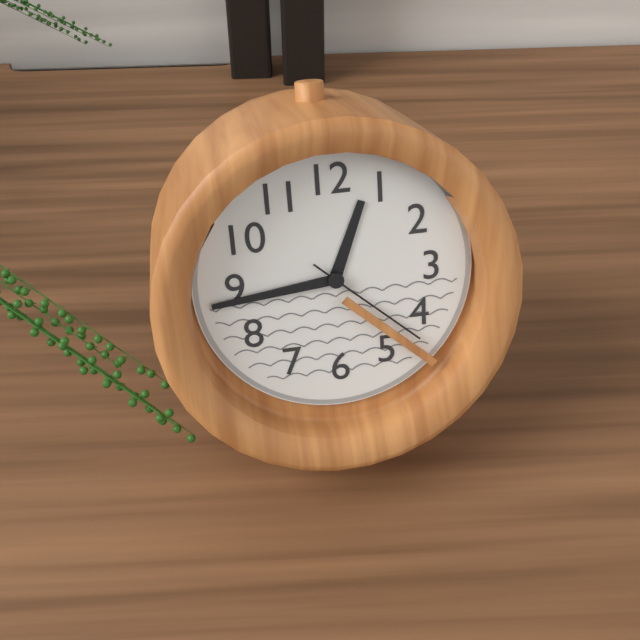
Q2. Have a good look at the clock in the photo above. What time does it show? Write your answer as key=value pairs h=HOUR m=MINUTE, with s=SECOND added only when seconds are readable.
h=12 m=44 s=22
